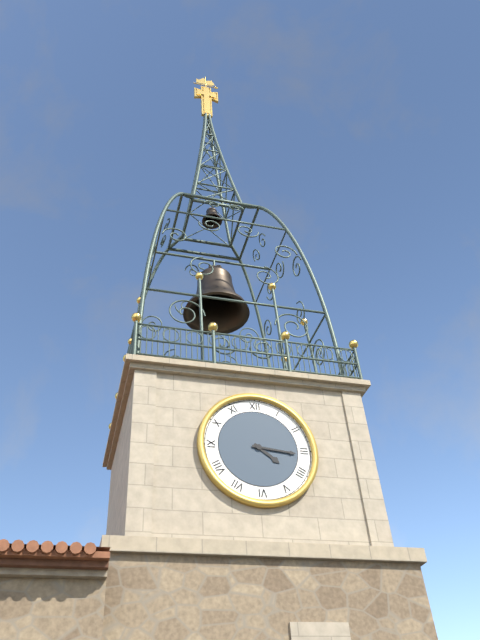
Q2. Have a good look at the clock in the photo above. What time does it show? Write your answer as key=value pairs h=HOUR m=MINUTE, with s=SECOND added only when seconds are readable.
h=4 m=16
